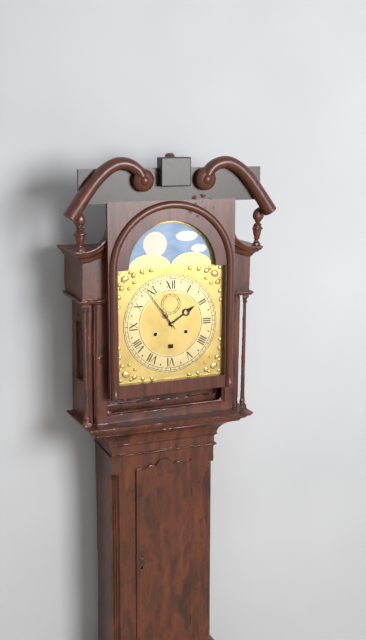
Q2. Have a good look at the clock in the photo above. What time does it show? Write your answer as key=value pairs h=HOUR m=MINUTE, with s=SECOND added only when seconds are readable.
h=1 m=54
